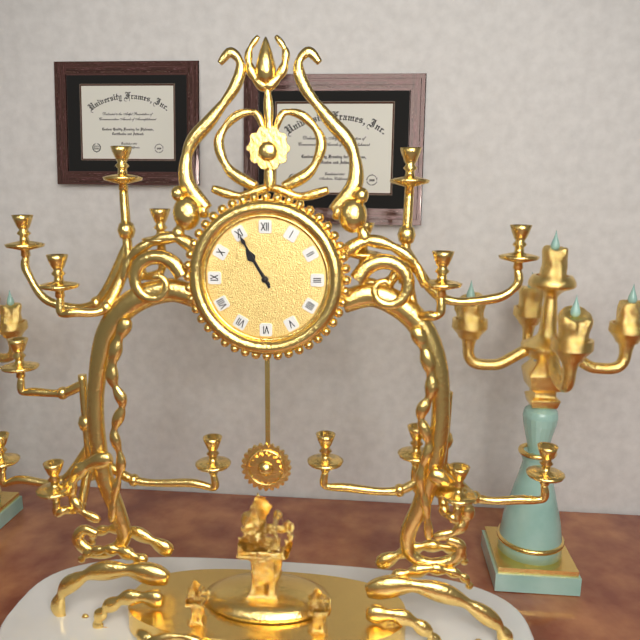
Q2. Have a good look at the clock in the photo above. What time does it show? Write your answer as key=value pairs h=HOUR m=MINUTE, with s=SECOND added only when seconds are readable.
h=10 m=55
